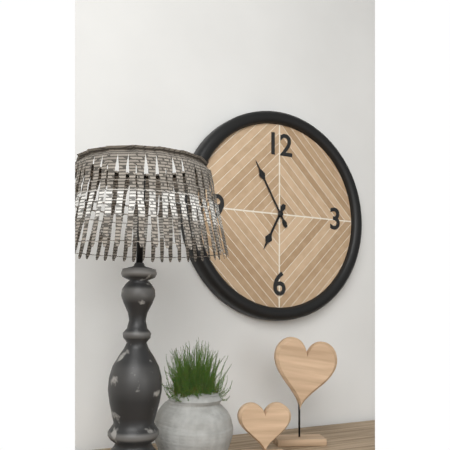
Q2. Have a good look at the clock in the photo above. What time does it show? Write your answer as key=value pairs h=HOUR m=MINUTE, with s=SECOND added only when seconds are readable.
h=6 m=55
